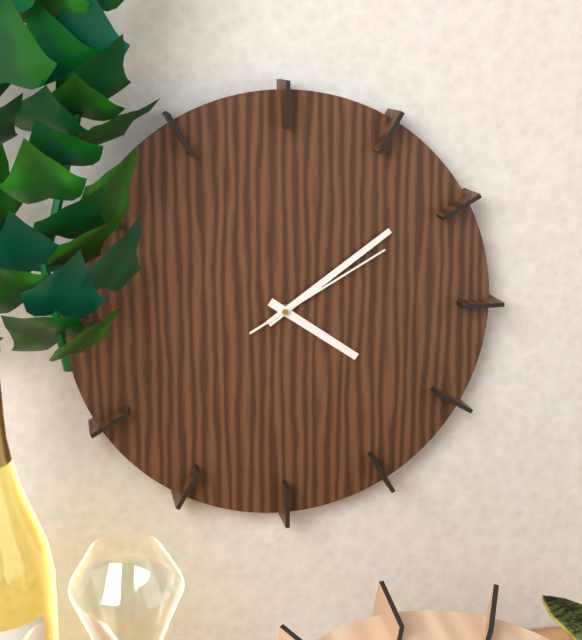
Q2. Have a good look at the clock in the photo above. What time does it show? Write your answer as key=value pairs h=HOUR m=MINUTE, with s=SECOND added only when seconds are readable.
h=4 m=9 s=10
